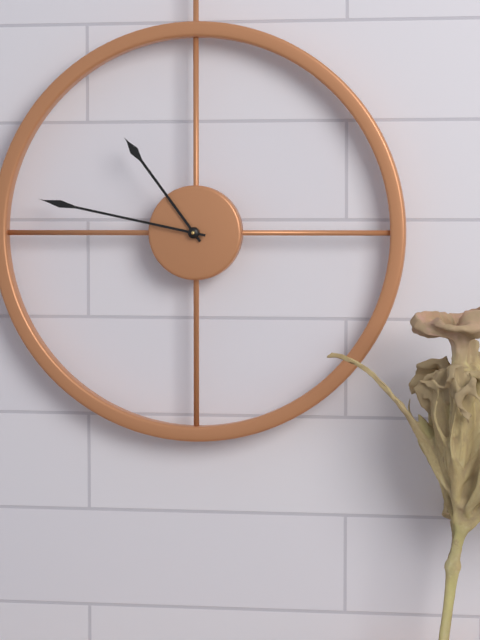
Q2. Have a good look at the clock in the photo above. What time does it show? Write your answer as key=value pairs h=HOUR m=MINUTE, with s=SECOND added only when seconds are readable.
h=10 m=47
